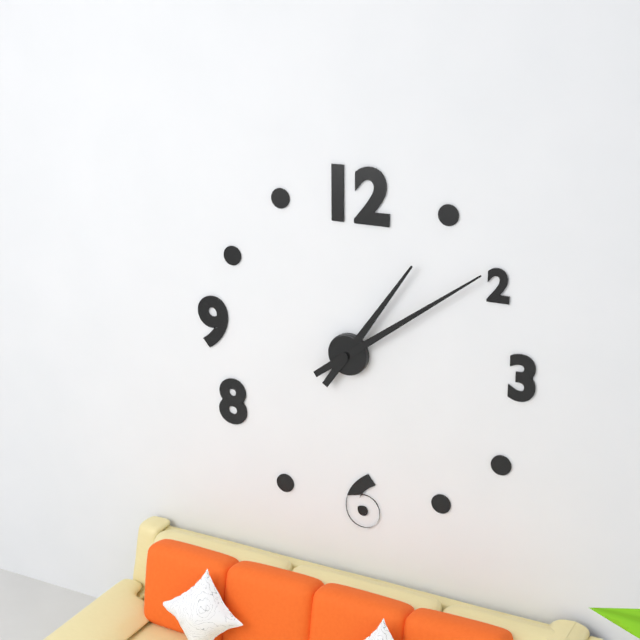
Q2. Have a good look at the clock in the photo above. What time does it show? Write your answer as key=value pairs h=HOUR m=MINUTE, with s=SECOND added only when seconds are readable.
h=1 m=9
